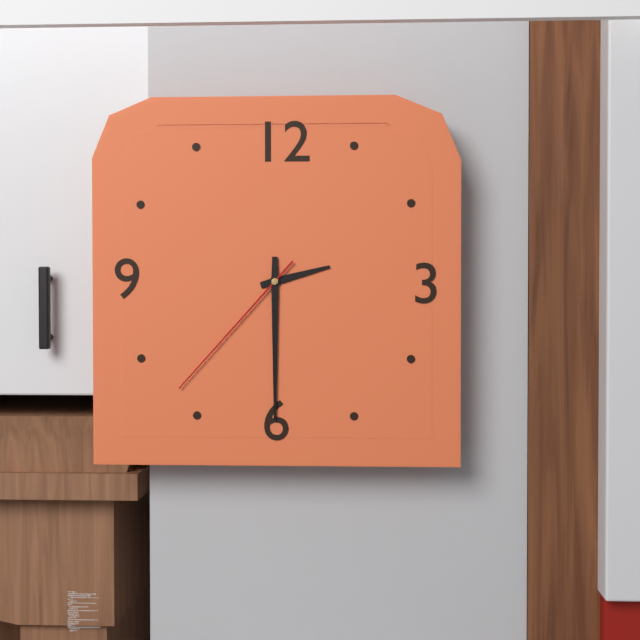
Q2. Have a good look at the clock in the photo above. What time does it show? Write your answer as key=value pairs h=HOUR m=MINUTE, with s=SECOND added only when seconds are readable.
h=2 m=30 s=37
